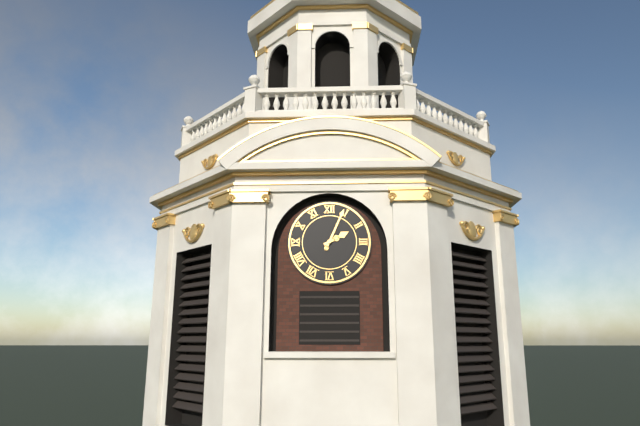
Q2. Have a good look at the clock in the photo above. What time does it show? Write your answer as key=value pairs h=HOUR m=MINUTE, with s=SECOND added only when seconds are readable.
h=2 m=4
